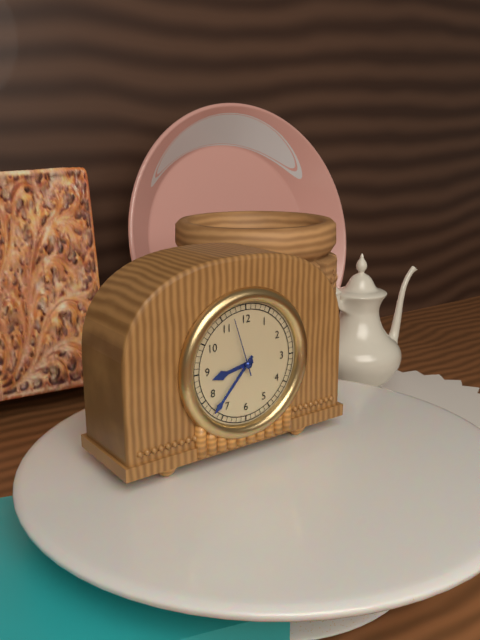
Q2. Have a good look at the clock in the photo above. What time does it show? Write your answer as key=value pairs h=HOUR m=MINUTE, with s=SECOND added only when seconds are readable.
h=8 m=37 s=57
